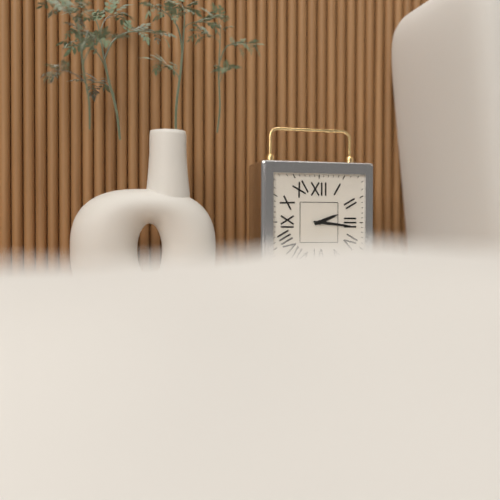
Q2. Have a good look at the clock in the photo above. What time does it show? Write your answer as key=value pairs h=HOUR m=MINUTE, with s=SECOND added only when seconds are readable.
h=2 m=16
